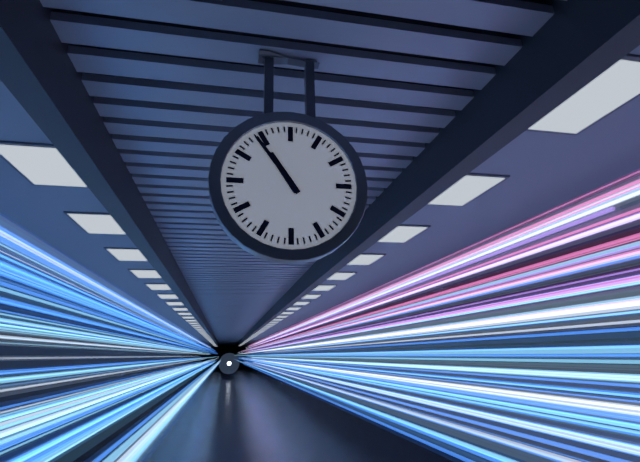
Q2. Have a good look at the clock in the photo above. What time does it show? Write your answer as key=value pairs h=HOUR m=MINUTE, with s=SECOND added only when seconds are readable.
h=10 m=54
